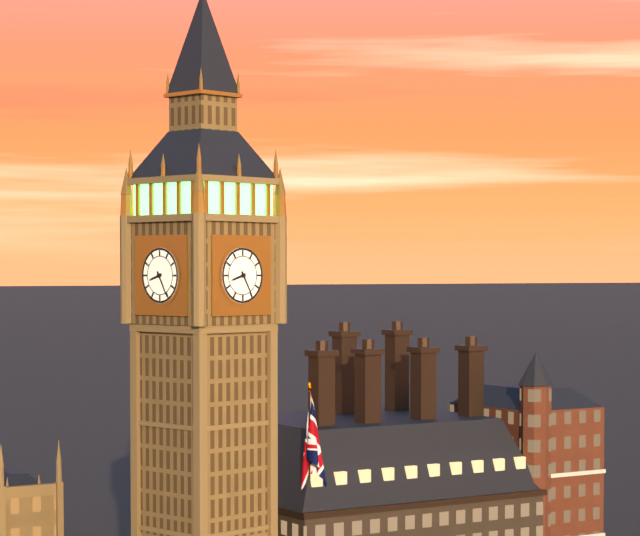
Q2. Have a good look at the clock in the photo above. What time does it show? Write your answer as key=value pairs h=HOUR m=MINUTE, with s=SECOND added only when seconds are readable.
h=8 m=25
